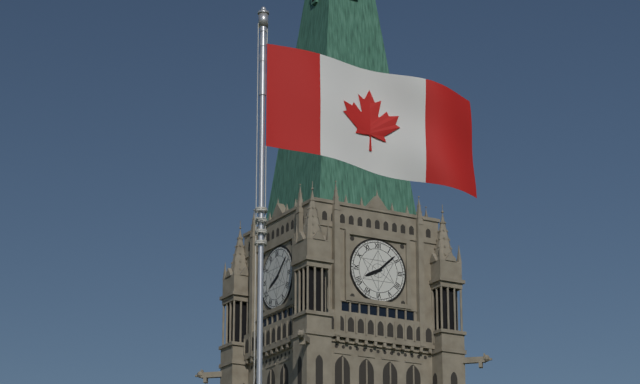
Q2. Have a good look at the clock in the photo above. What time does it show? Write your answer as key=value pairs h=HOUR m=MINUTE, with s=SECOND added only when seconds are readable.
h=8 m=8
